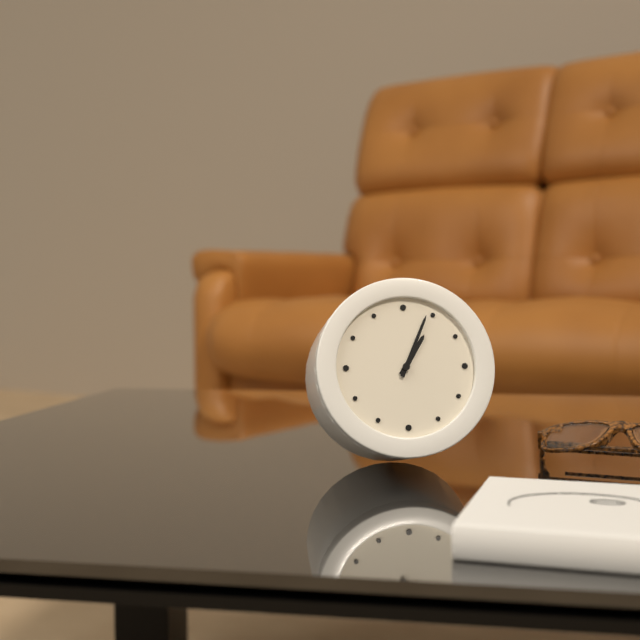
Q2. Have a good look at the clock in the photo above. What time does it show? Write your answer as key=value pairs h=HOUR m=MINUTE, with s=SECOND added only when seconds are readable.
h=1 m=4
